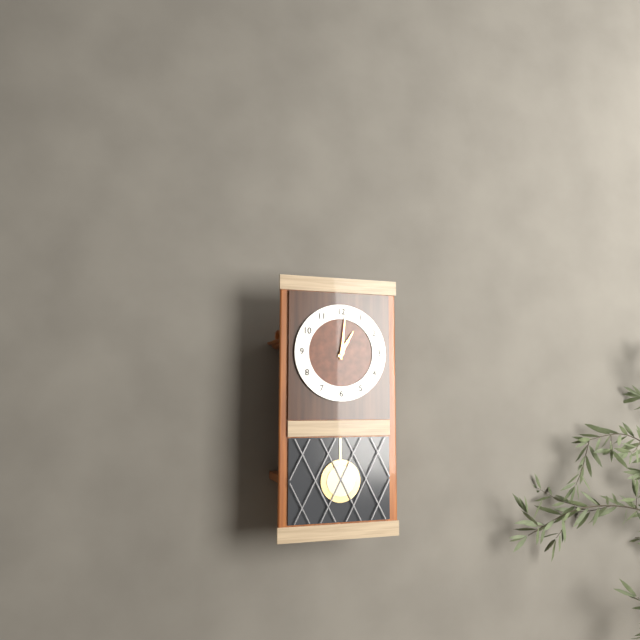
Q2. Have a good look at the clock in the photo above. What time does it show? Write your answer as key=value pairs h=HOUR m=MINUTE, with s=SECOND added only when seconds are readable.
h=1 m=1
